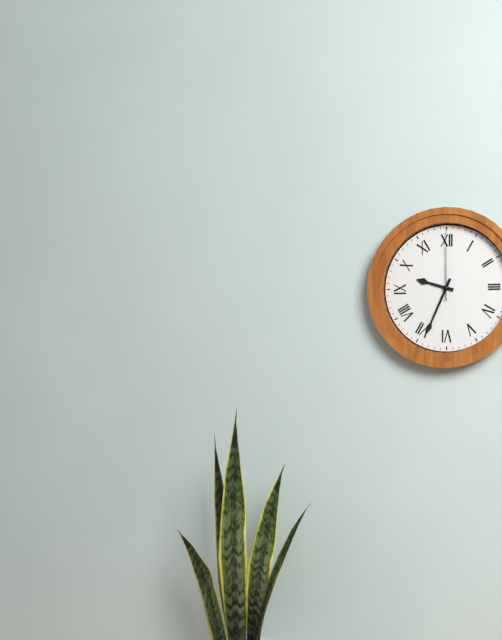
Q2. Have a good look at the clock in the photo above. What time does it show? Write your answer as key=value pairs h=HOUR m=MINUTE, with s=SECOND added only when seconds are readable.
h=9 m=34 s=0
